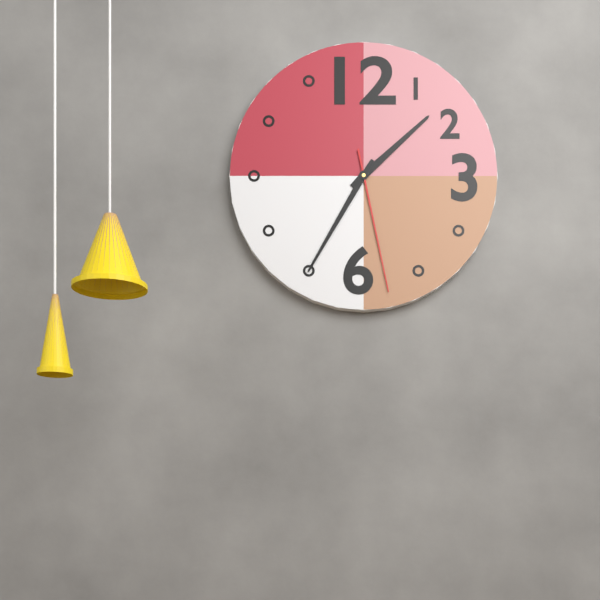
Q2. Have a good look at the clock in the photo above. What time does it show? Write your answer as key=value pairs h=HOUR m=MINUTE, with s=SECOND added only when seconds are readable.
h=1 m=35 s=28
